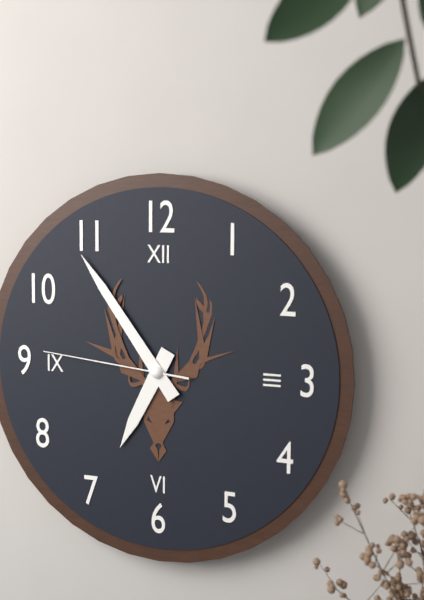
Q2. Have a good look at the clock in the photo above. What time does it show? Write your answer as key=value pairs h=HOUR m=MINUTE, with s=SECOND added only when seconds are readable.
h=6 m=54 s=46
